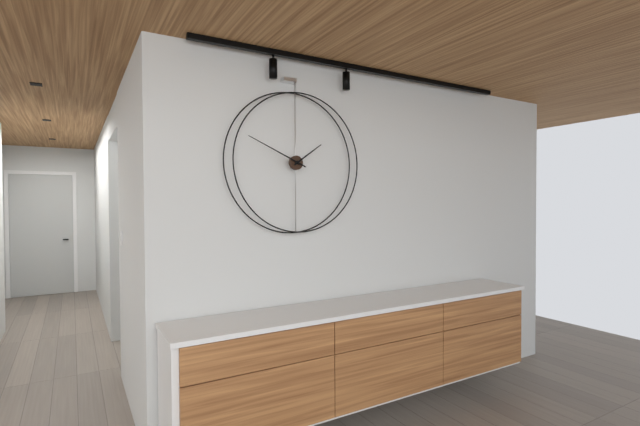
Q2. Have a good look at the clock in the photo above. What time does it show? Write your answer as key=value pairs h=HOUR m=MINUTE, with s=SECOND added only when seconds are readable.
h=1 m=49
